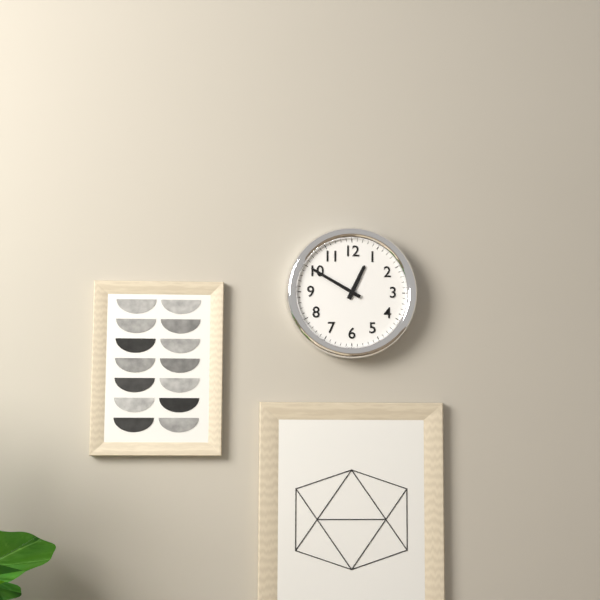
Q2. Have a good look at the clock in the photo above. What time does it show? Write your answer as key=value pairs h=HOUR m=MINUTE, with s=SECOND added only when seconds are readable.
h=12 m=50
